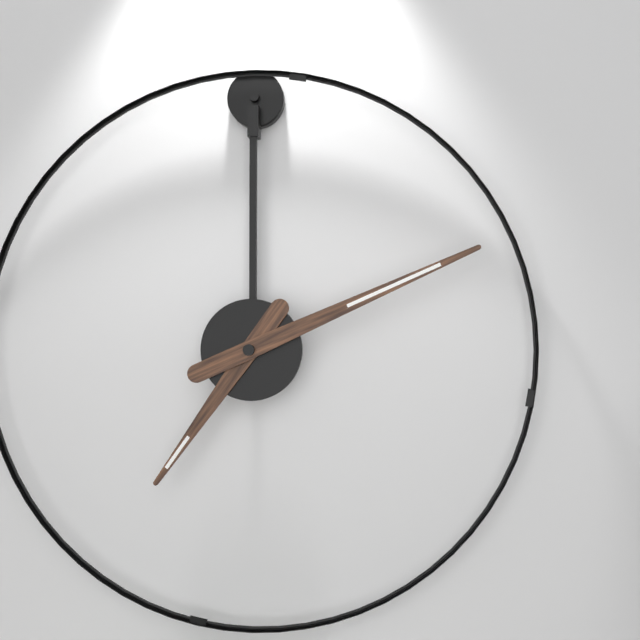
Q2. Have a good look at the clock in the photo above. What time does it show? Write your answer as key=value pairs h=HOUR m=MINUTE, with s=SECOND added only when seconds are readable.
h=7 m=11
